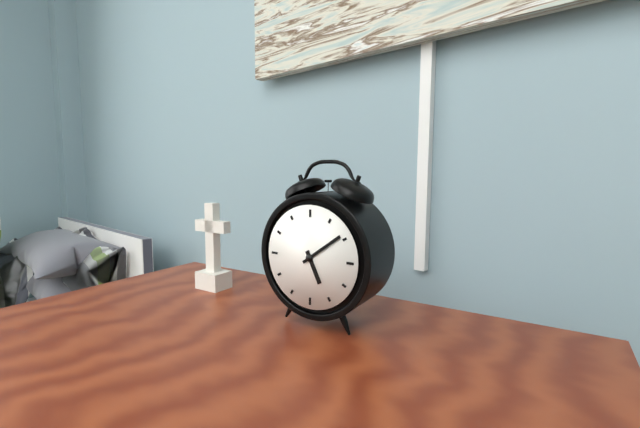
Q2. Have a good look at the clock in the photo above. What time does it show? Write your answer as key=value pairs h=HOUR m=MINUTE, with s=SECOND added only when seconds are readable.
h=5 m=9
